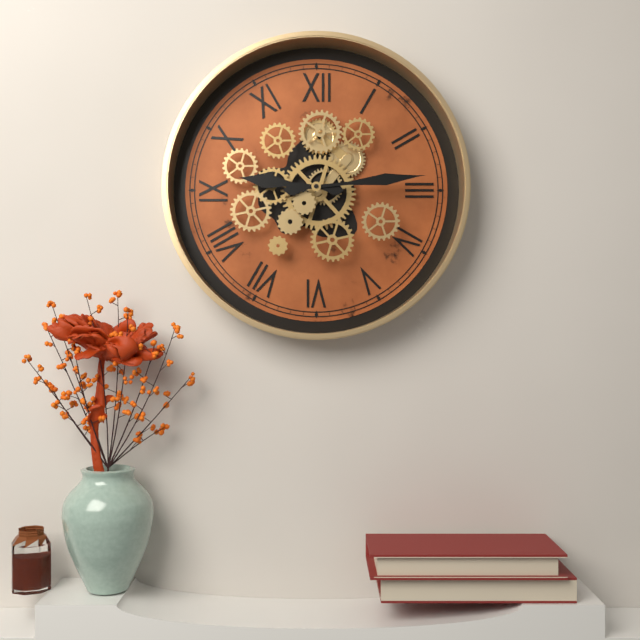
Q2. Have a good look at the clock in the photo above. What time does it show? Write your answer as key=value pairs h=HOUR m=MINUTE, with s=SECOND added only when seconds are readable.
h=9 m=14
